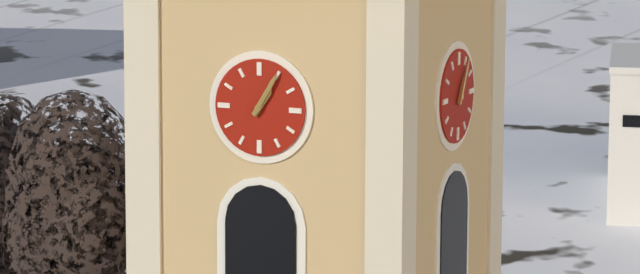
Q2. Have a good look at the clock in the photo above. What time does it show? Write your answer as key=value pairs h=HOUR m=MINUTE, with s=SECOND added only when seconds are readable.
h=1 m=5
